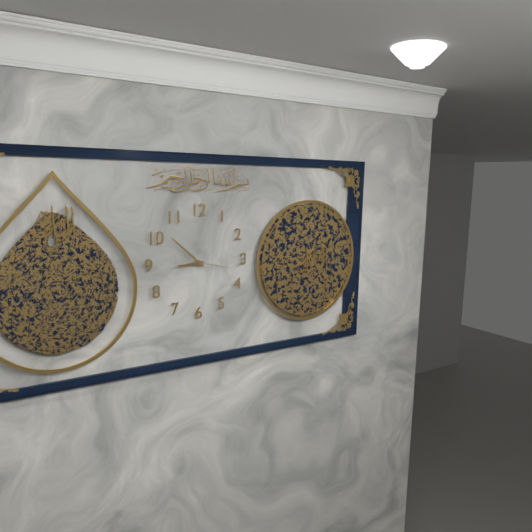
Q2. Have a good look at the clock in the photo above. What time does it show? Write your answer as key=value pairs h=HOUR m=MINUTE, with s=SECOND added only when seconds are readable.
h=8 m=52
